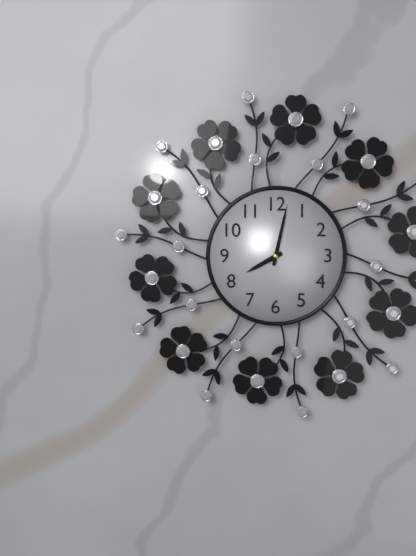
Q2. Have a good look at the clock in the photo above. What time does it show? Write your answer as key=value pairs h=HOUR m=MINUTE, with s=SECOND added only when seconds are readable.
h=8 m=2
